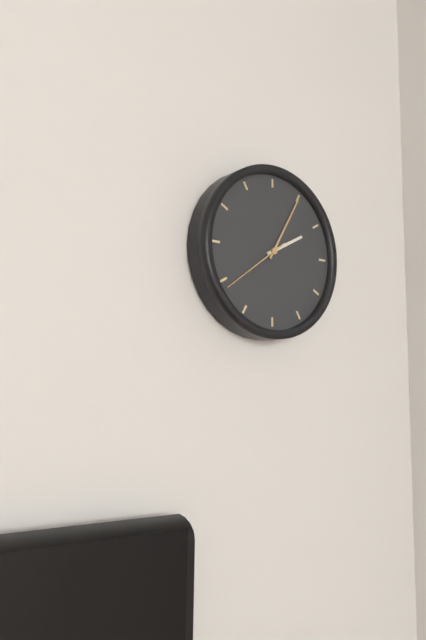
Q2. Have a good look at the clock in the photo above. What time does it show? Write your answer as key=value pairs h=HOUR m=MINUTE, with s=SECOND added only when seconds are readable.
h=2 m=5 s=39
